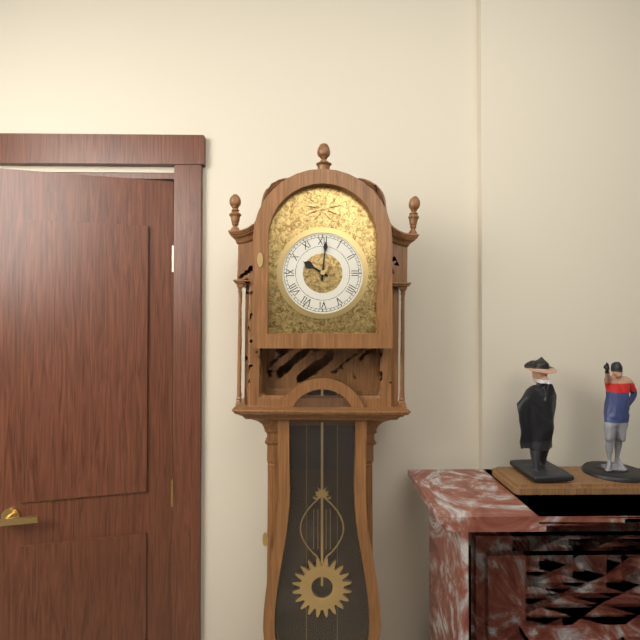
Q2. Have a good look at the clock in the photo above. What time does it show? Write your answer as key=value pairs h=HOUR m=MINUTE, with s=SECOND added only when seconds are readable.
h=10 m=1
